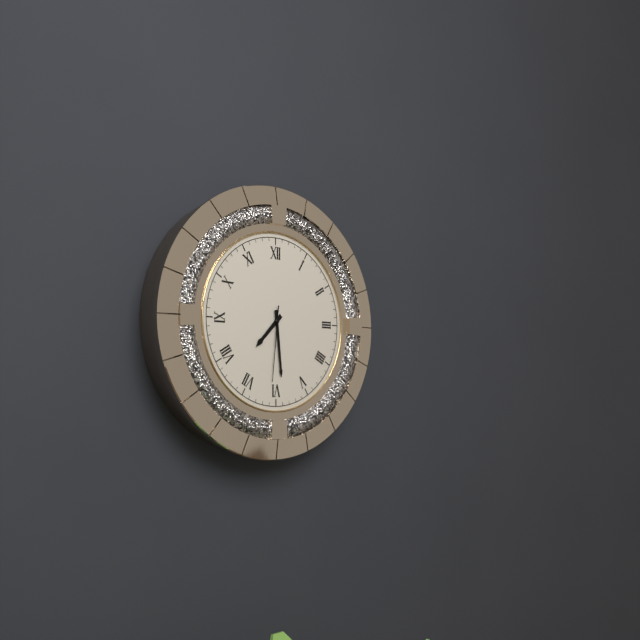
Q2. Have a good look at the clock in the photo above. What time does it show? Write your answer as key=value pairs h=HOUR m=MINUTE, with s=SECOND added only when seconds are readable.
h=7 m=29 s=31
